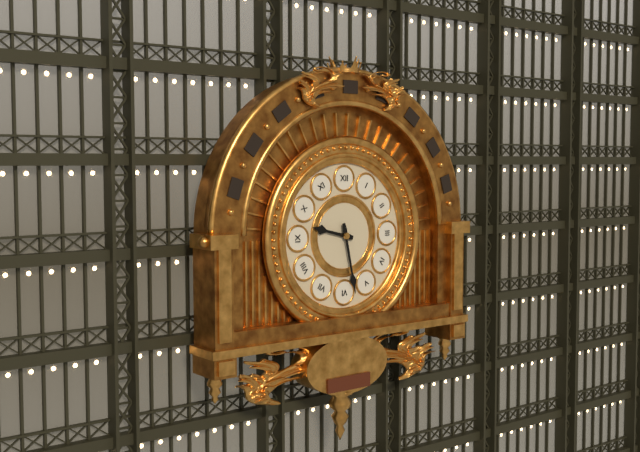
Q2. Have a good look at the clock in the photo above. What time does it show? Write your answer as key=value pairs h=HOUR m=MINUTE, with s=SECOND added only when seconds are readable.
h=9 m=28
